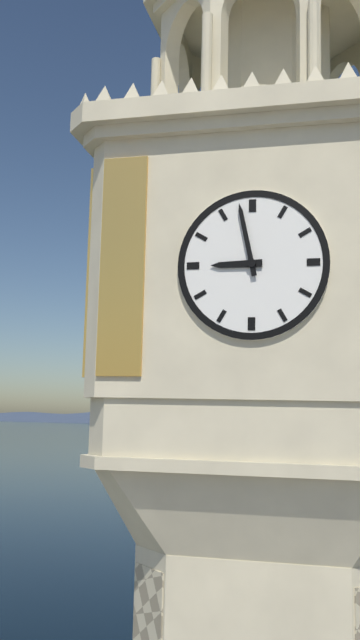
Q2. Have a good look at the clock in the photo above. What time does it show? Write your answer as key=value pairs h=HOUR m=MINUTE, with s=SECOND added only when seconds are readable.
h=8 m=58
